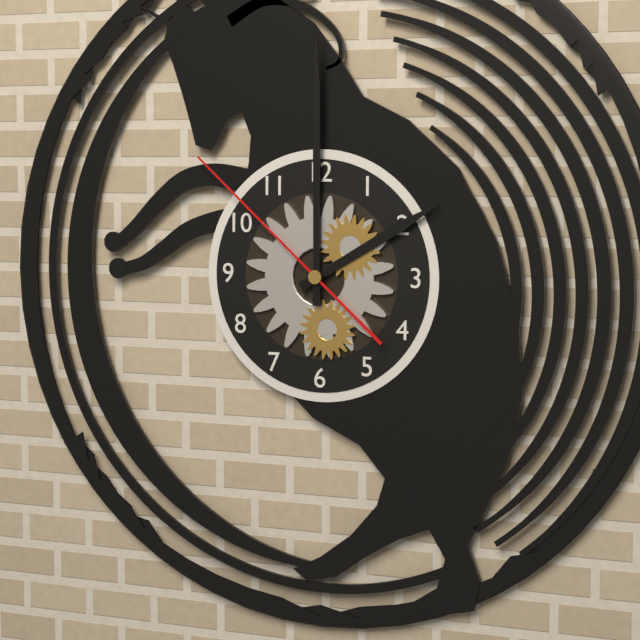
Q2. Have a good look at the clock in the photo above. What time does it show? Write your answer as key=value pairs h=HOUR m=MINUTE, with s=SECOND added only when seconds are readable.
h=2 m=0 s=52
